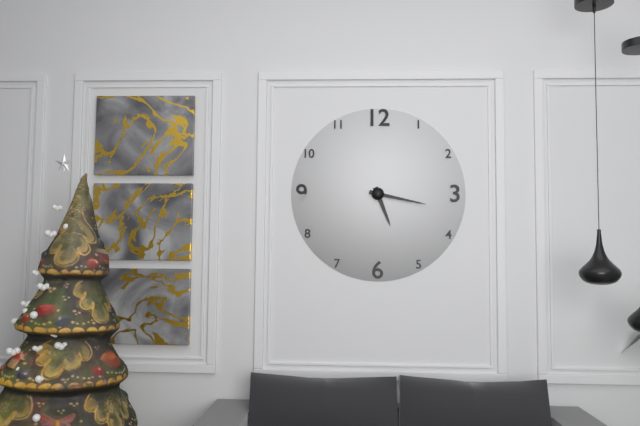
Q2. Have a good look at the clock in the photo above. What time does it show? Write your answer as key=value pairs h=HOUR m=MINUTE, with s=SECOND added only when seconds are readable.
h=5 m=17
